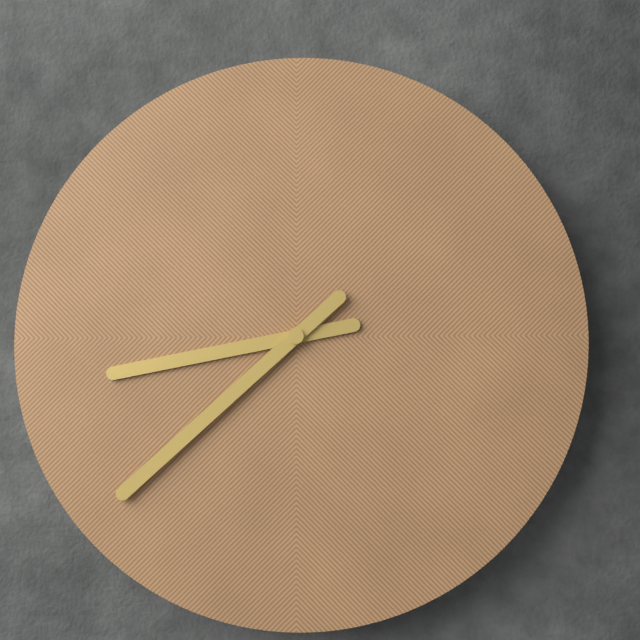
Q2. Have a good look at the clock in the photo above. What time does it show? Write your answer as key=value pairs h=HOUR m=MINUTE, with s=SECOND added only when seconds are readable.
h=8 m=38
